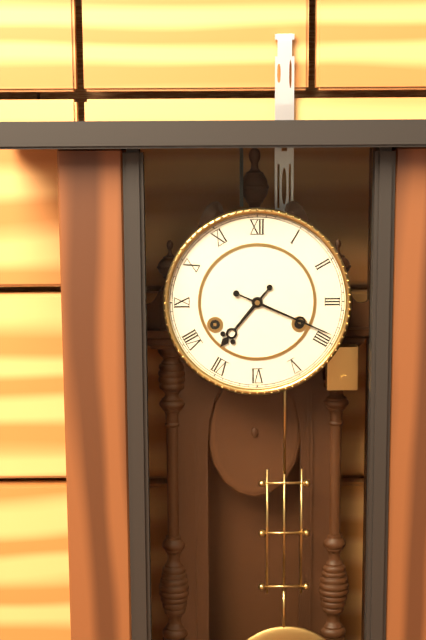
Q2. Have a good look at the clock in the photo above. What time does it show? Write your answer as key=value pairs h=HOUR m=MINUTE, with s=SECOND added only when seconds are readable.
h=7 m=19
